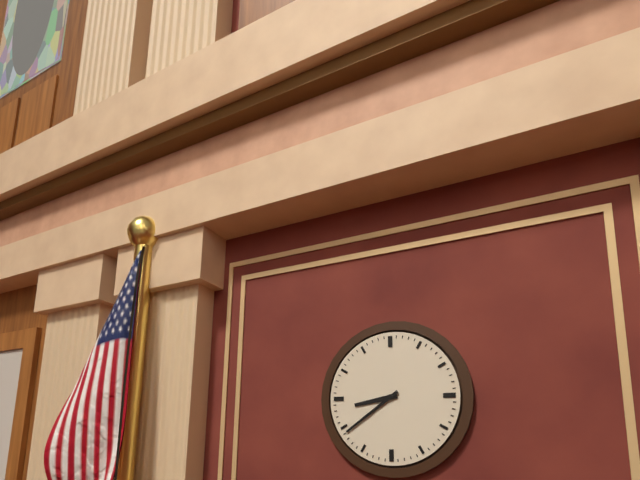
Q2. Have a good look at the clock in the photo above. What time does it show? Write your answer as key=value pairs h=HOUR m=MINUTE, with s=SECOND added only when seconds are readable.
h=8 m=39
